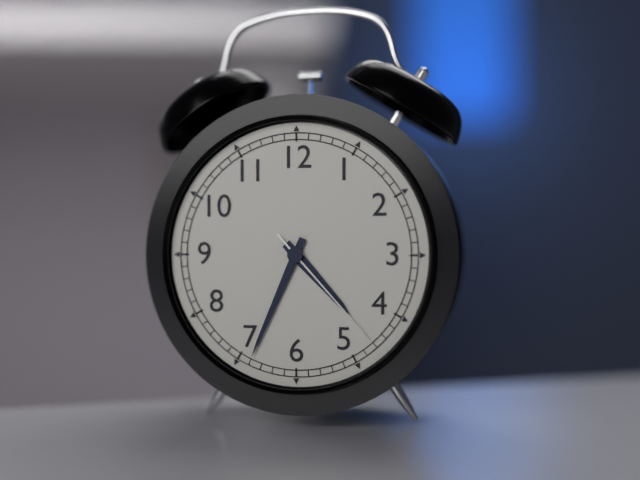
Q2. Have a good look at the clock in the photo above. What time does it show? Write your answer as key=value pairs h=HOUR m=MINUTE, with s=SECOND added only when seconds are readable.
h=4 m=34 s=23
